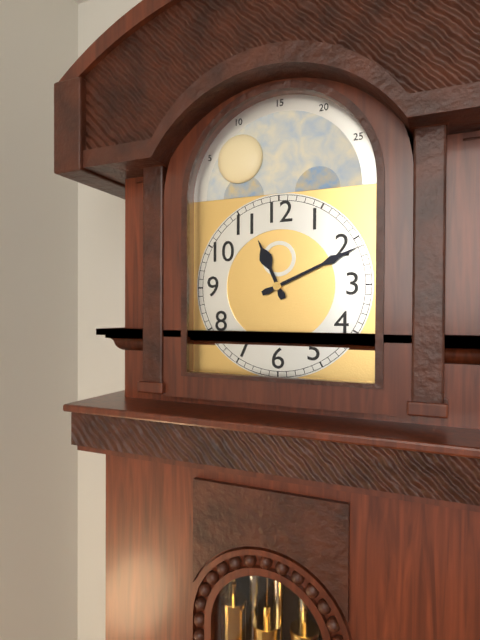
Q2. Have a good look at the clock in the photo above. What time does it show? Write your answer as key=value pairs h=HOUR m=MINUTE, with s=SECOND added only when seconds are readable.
h=11 m=11
